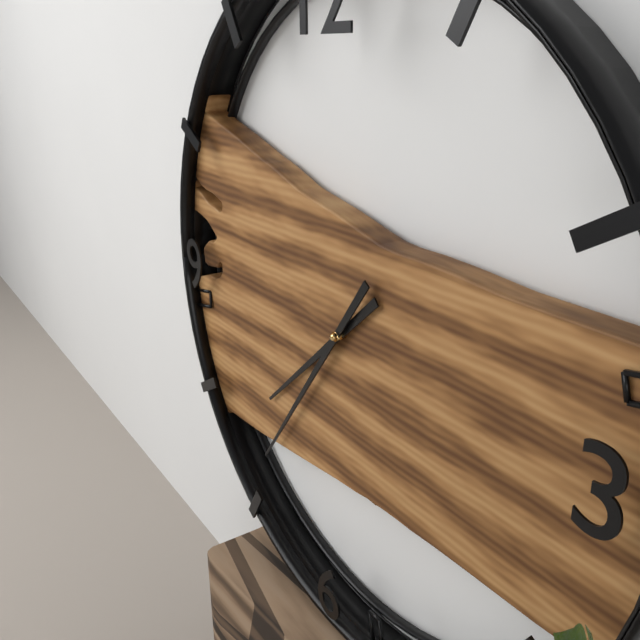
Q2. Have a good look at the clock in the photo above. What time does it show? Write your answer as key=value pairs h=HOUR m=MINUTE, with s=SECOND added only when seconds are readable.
h=7 m=36
